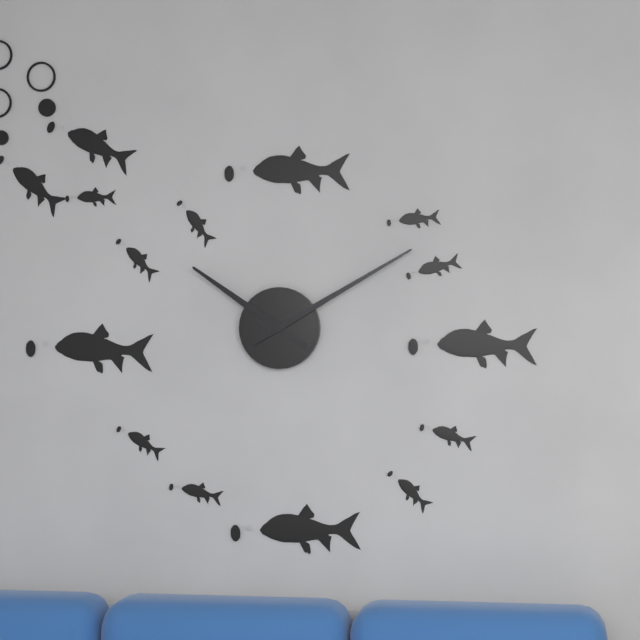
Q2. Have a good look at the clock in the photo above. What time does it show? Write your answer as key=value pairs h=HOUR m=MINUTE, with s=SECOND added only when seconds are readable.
h=10 m=10
